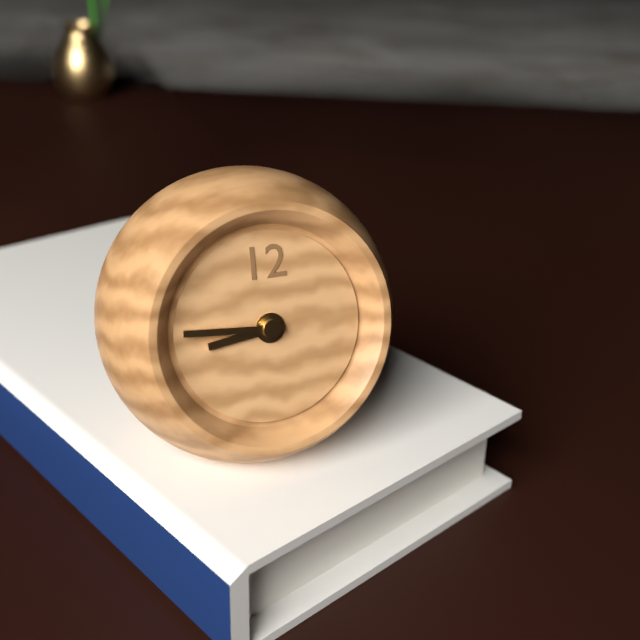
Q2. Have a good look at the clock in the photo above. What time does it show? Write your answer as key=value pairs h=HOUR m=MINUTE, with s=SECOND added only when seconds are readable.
h=8 m=46
